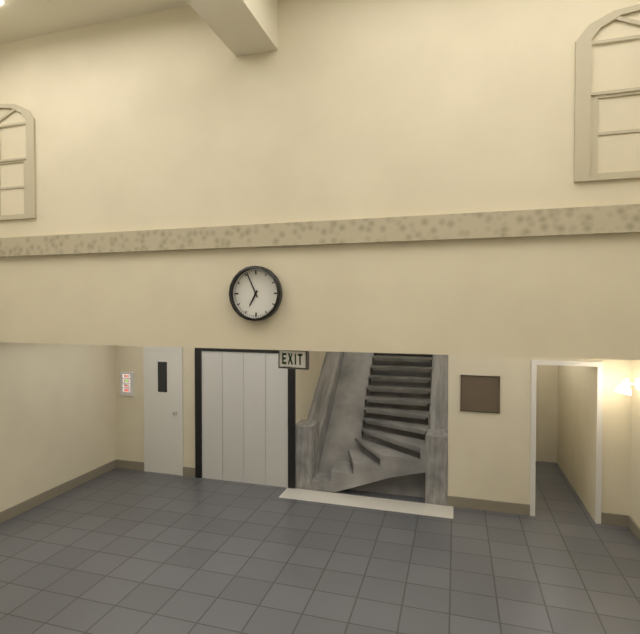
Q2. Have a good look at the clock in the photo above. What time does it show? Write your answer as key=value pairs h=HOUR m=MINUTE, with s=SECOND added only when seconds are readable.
h=6 m=56
